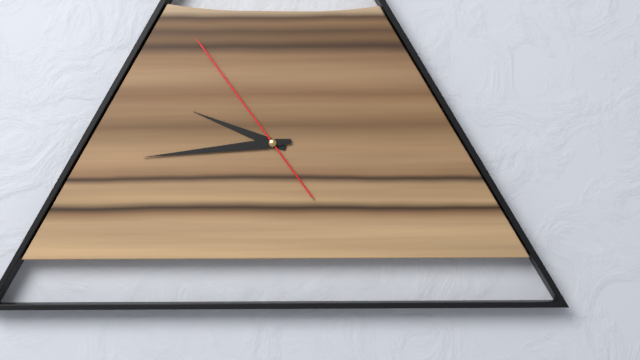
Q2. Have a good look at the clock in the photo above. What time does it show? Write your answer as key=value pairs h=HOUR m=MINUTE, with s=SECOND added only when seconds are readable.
h=9 m=44 s=54
